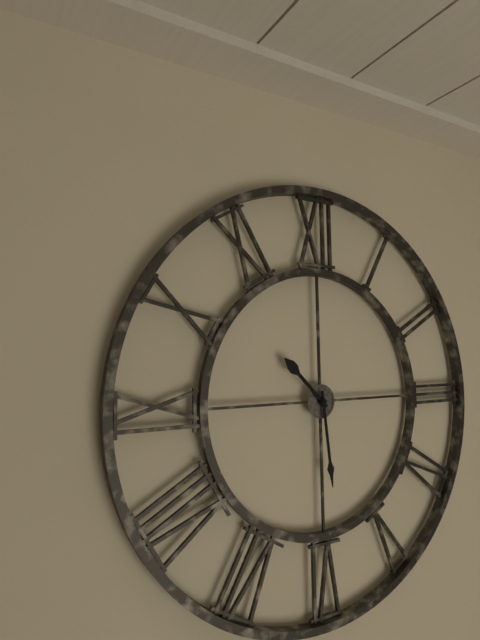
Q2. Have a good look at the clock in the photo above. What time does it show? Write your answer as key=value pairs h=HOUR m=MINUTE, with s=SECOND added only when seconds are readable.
h=10 m=29
